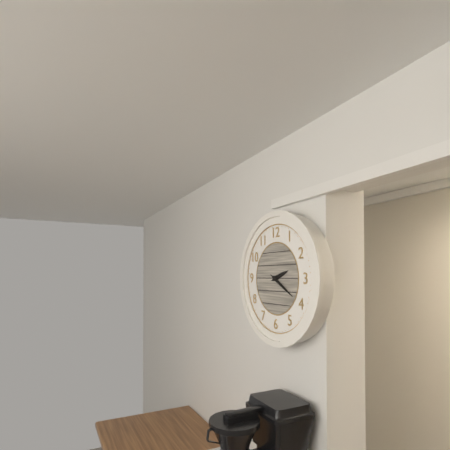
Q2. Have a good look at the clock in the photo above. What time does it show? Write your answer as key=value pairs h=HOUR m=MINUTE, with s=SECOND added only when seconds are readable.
h=2 m=20
